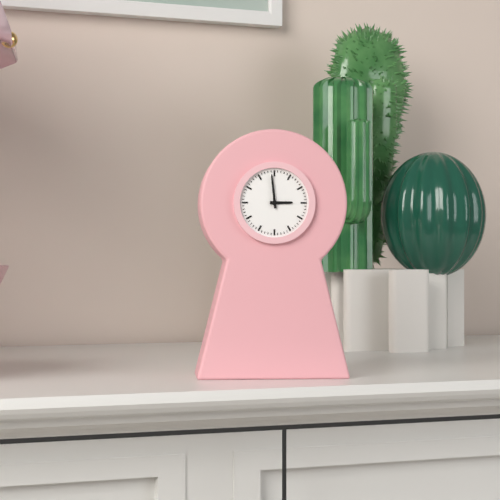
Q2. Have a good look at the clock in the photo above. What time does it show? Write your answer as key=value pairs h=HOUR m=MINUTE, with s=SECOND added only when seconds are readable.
h=2 m=59
